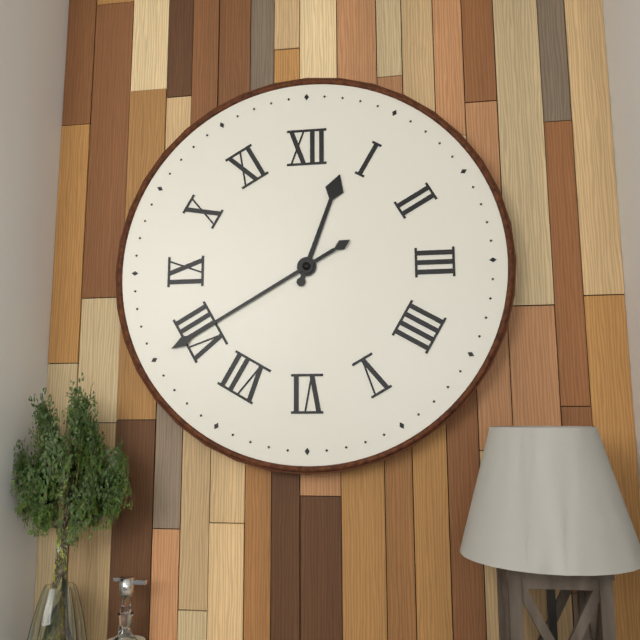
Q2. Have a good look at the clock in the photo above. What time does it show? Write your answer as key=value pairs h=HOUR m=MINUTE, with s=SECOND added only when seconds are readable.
h=12 m=40
